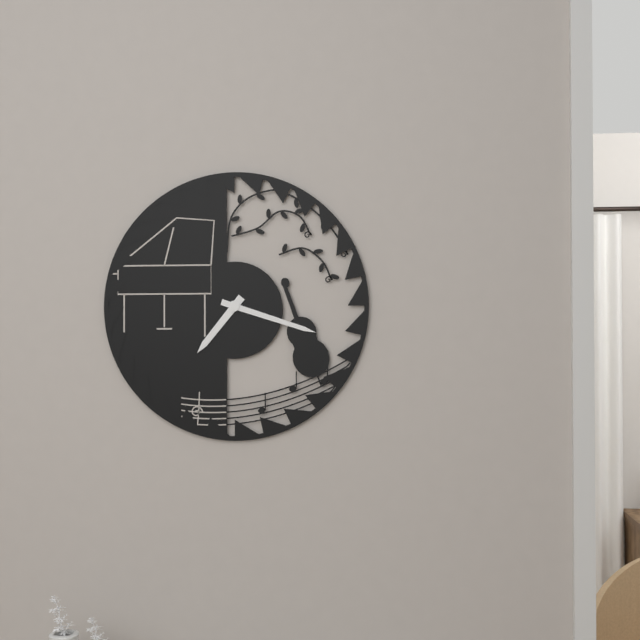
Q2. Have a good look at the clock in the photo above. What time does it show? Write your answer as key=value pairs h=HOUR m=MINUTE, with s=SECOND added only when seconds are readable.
h=7 m=18
